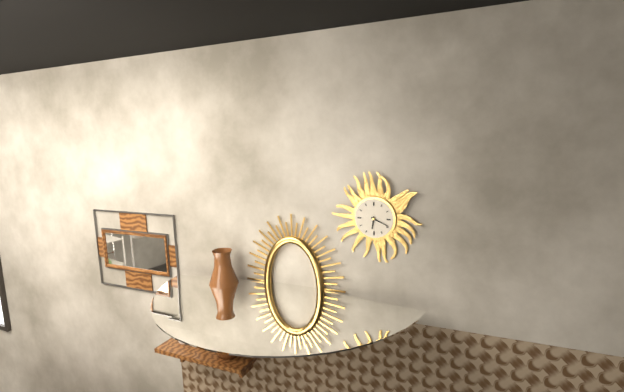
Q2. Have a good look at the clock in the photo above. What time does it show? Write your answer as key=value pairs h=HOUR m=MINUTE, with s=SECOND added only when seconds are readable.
h=6 m=19
